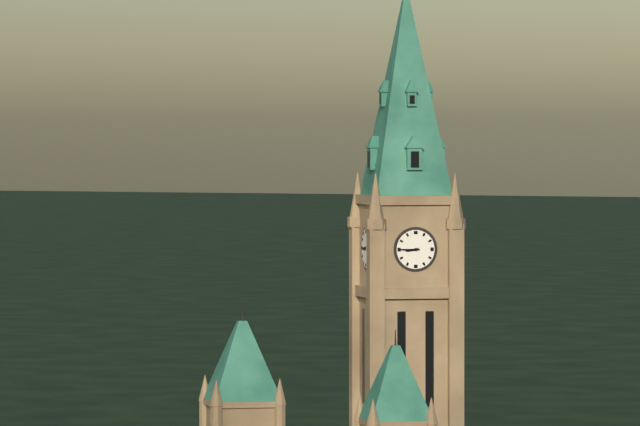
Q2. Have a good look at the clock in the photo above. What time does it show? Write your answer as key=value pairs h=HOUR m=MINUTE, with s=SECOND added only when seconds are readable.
h=8 m=45
